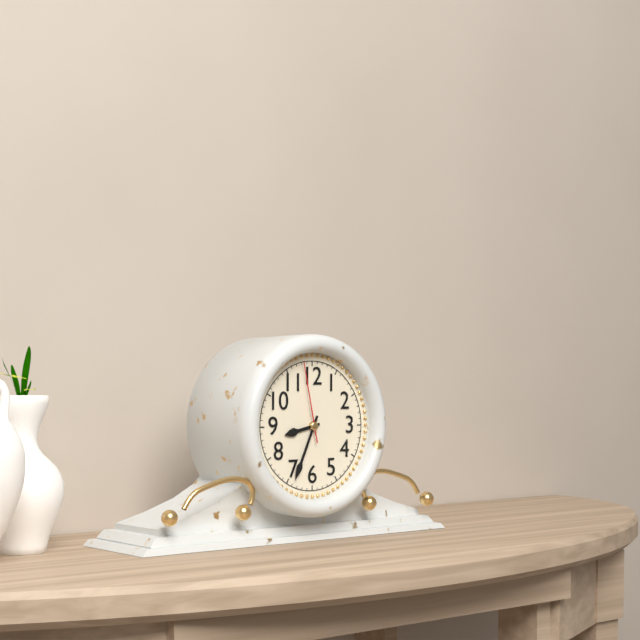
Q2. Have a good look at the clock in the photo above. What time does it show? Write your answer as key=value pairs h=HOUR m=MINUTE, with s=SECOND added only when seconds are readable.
h=8 m=34 s=58
